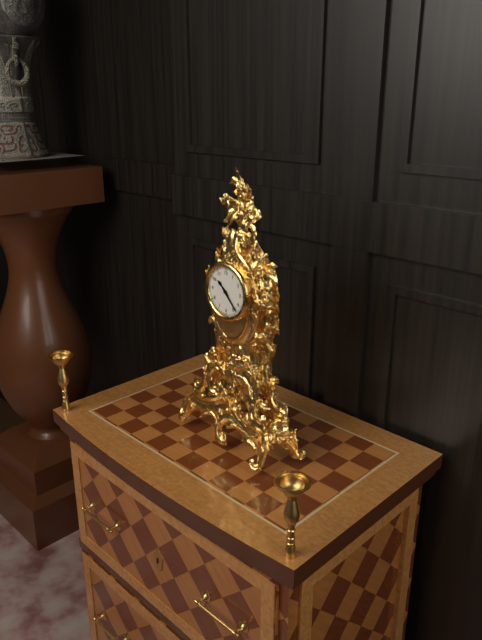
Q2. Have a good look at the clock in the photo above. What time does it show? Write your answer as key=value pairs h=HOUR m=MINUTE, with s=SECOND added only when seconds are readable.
h=10 m=23
